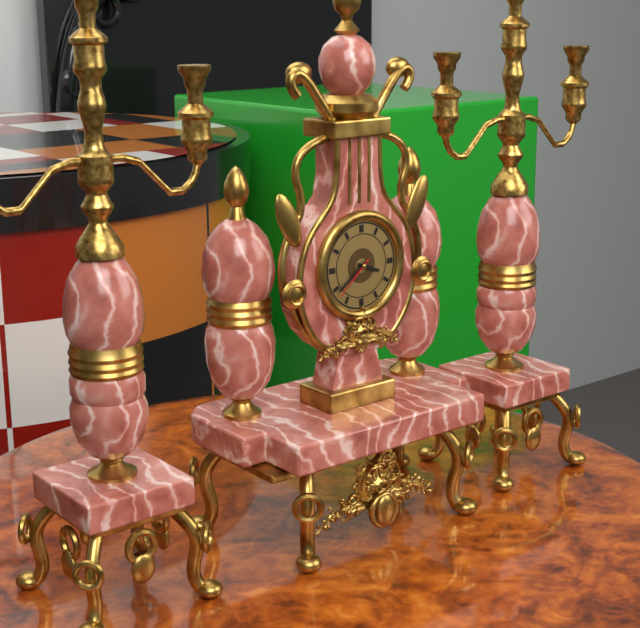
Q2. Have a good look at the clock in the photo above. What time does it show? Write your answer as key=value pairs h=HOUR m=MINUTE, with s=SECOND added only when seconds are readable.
h=3 m=39 s=38
